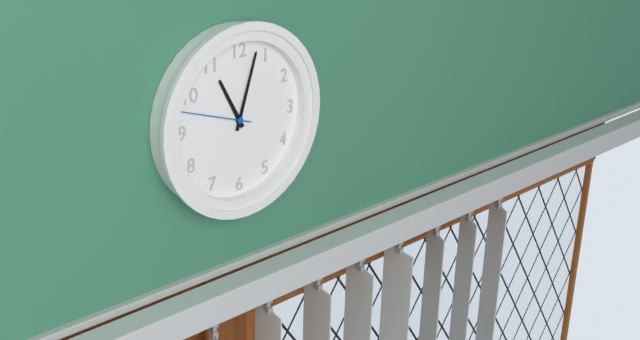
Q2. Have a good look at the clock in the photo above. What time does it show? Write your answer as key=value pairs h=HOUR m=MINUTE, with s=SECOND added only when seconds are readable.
h=11 m=3 s=48
